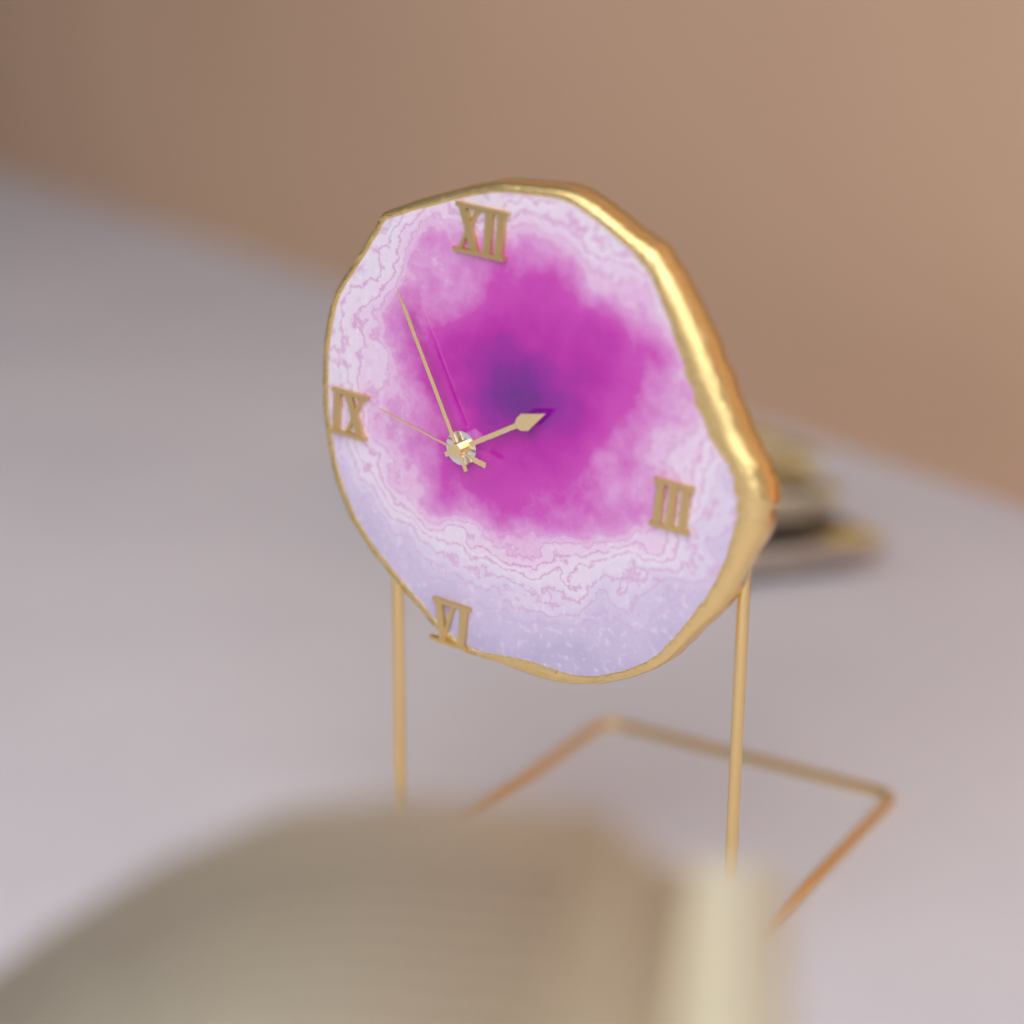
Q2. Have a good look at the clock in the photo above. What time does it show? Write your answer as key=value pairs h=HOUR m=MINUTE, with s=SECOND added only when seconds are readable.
h=1 m=55 s=47
